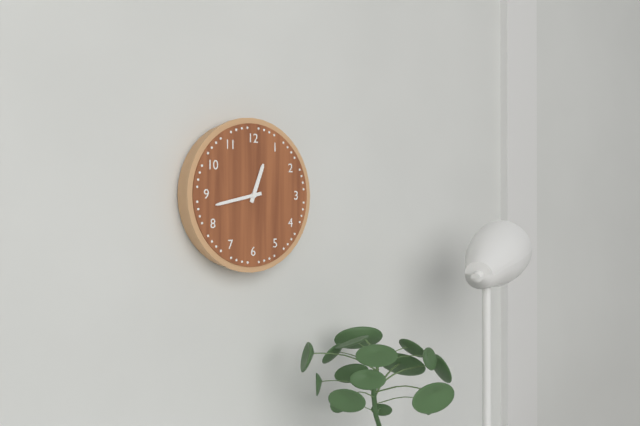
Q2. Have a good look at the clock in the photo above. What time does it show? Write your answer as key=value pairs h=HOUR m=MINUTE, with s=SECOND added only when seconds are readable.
h=12 m=43
